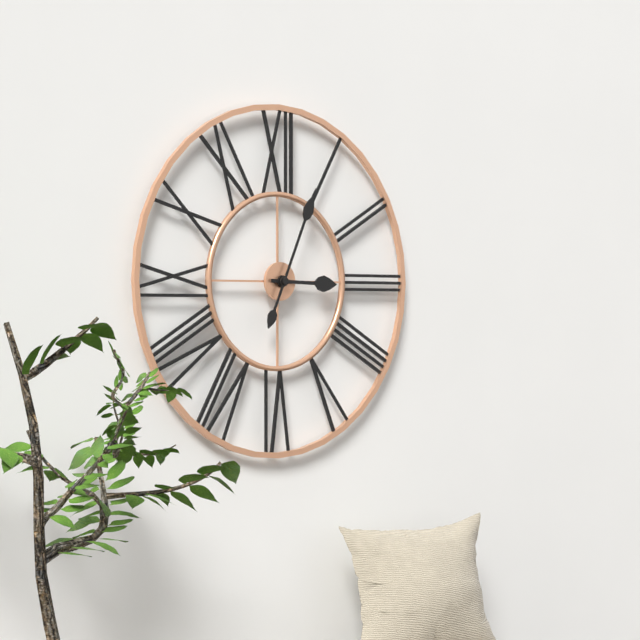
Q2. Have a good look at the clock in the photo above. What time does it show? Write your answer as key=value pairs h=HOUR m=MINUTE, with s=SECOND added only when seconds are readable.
h=3 m=4
